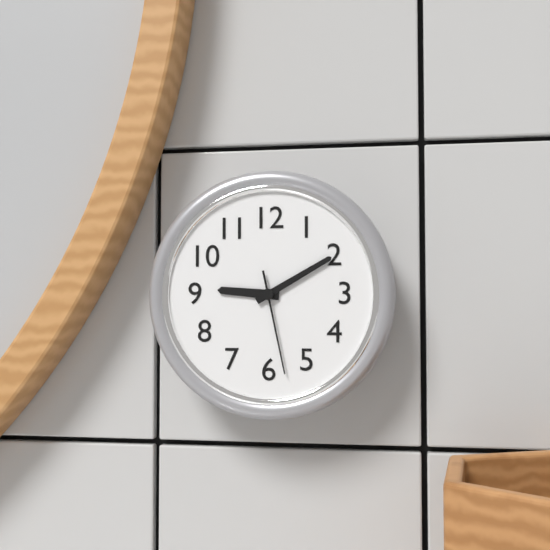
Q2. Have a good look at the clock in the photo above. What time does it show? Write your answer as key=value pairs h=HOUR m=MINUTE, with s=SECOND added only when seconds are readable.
h=9 m=10 s=28
